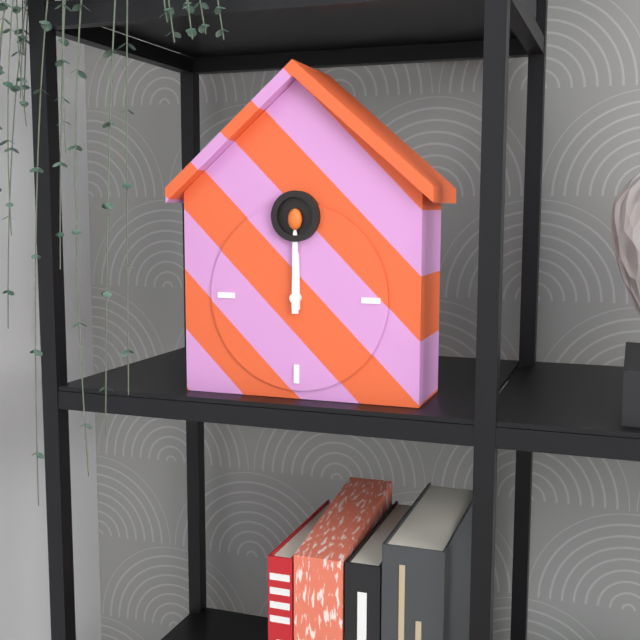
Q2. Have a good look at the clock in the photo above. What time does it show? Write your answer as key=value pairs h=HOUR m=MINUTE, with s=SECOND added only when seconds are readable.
h=12 m=0
